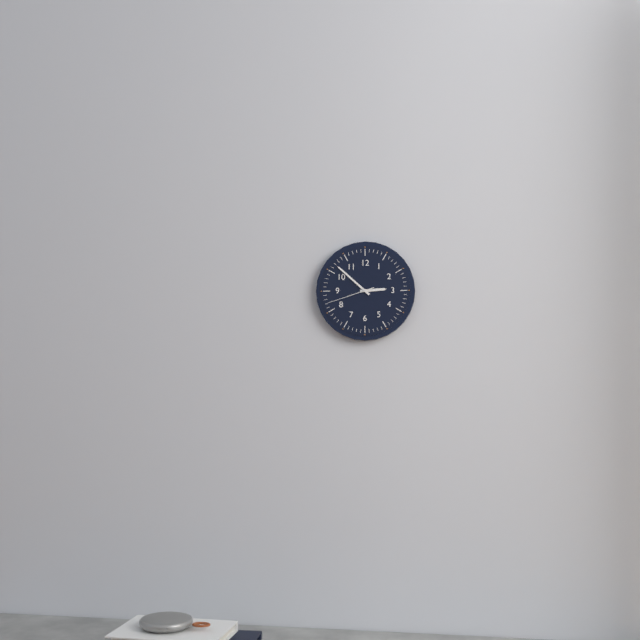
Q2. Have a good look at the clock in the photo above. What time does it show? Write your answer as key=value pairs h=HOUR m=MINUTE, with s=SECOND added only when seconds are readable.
h=2 m=52
